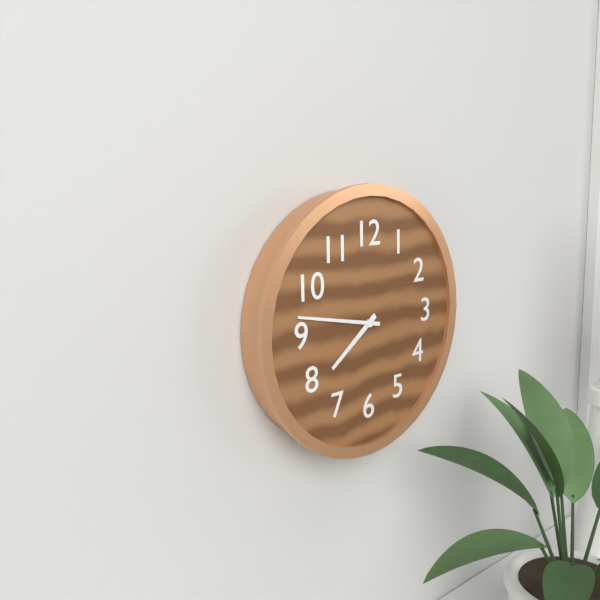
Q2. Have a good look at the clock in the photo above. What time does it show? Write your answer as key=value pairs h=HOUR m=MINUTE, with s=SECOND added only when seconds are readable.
h=7 m=47
